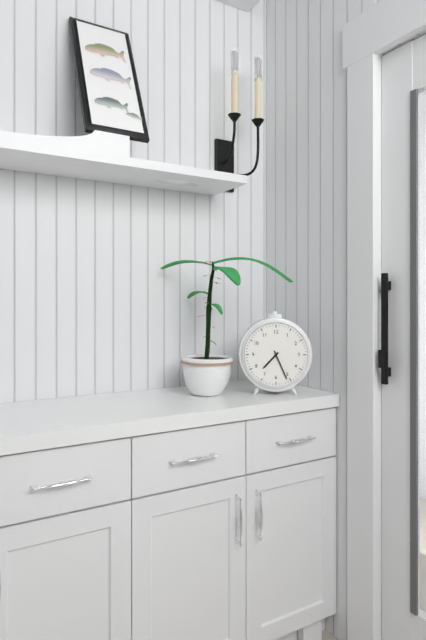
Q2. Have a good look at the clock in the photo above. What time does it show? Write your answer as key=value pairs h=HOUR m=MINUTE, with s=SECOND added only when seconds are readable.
h=7 m=26
